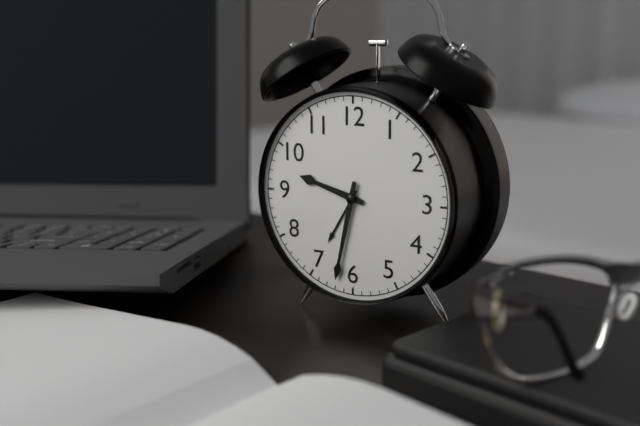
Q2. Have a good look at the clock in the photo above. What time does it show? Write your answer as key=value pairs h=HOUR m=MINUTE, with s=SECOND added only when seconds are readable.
h=9 m=32
